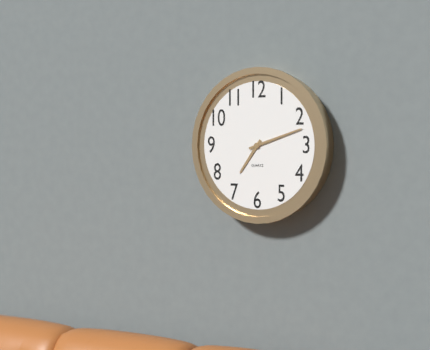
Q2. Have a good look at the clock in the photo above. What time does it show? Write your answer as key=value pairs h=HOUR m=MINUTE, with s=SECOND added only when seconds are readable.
h=7 m=12
